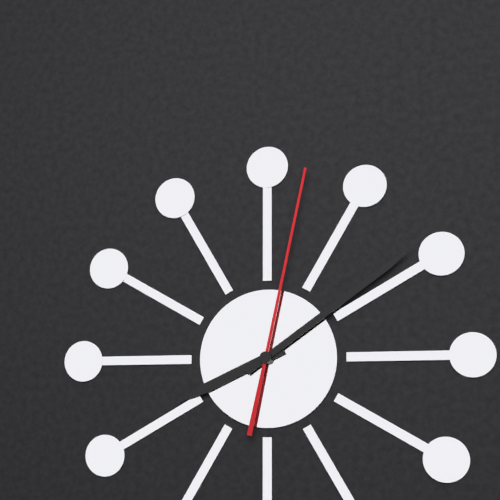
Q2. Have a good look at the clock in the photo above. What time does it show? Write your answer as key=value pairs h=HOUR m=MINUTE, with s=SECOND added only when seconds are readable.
h=8 m=9 s=2
